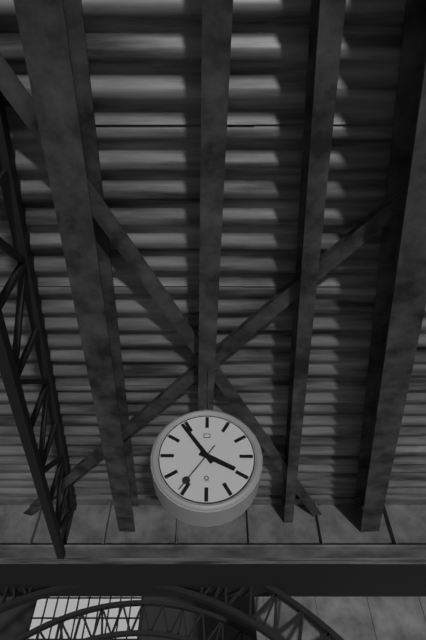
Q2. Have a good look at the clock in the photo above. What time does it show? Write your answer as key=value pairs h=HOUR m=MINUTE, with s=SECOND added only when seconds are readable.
h=3 m=54 s=36
